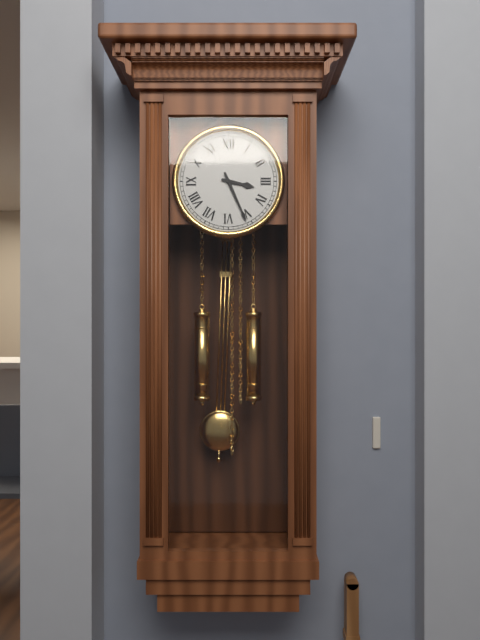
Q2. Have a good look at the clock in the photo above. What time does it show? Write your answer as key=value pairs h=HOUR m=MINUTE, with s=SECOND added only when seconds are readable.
h=3 m=26
